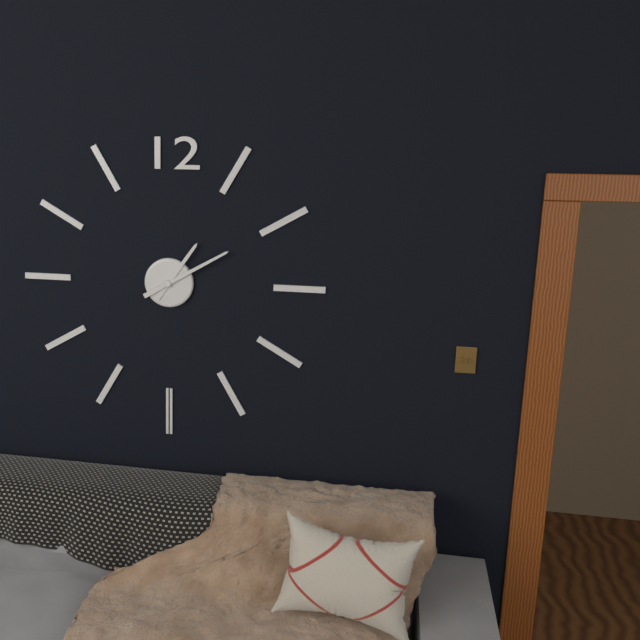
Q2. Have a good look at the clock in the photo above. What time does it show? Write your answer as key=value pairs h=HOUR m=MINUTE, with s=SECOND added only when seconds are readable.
h=1 m=10
